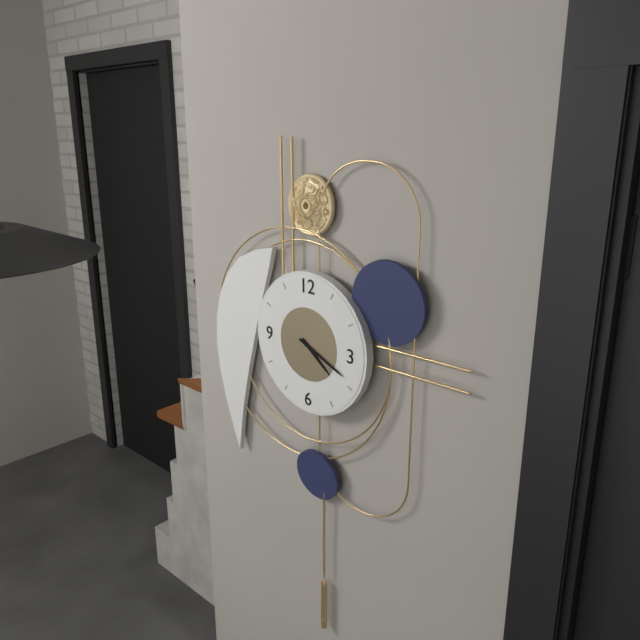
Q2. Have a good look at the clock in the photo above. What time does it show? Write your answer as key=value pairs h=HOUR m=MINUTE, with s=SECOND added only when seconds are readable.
h=4 m=19
